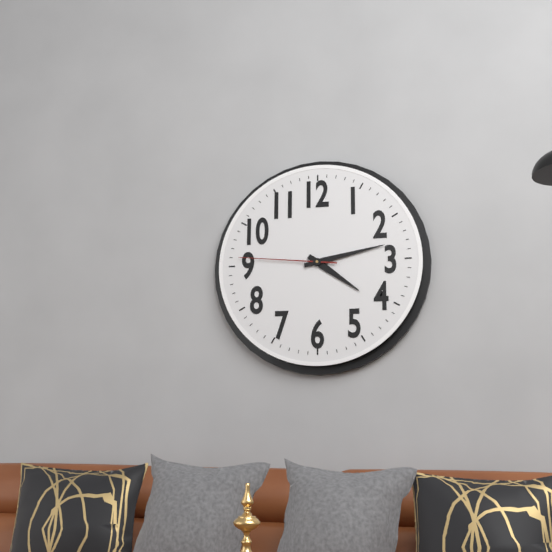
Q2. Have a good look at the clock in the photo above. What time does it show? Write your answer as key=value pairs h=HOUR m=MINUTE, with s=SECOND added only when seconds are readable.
h=4 m=13 s=46
